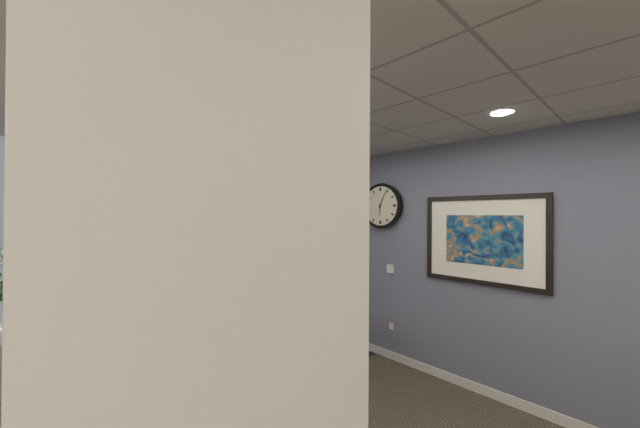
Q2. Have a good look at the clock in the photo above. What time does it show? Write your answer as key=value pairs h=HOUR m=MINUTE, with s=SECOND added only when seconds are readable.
h=6 m=4
